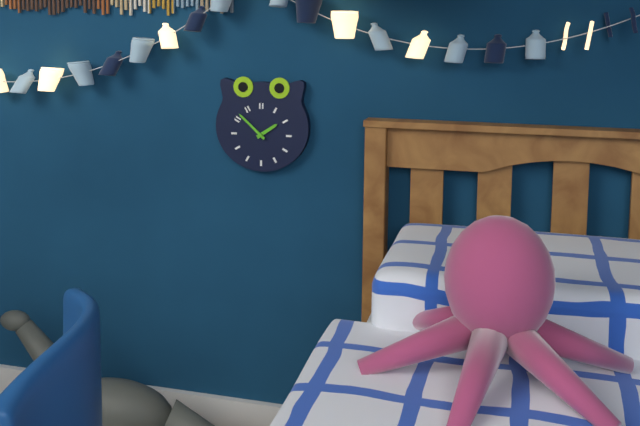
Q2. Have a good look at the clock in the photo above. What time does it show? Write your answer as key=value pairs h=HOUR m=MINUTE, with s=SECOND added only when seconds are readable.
h=1 m=52
